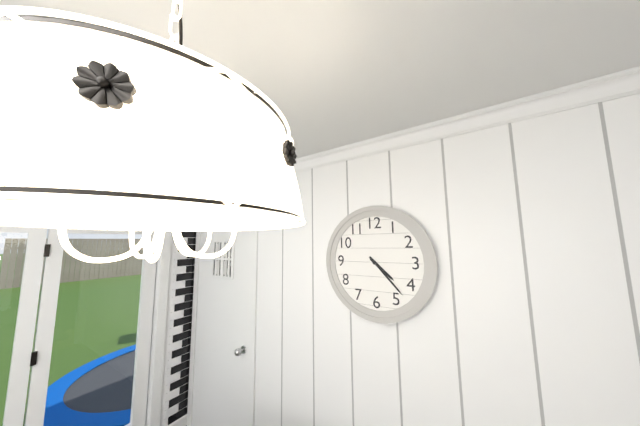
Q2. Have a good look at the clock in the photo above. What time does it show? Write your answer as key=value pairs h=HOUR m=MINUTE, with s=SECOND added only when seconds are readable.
h=4 m=23
